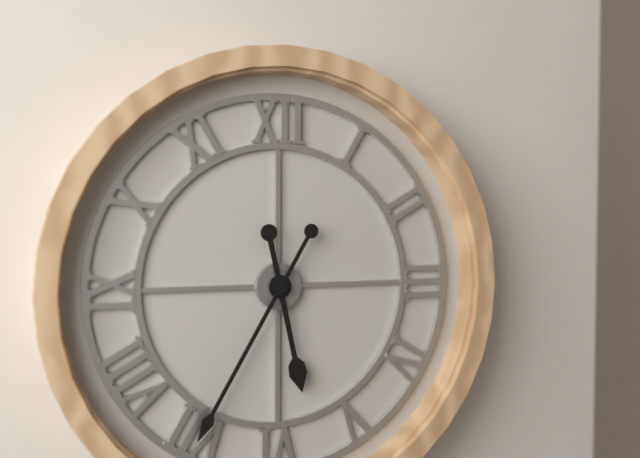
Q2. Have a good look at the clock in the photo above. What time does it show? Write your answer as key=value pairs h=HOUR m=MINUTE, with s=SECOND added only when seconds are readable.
h=5 m=35
